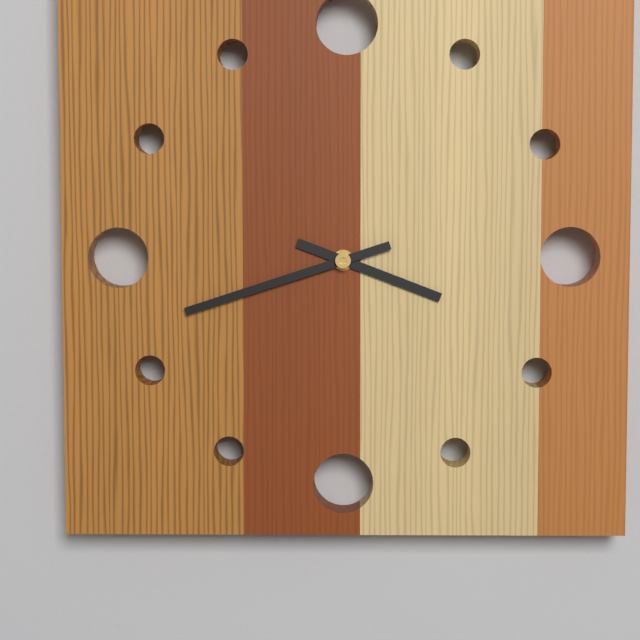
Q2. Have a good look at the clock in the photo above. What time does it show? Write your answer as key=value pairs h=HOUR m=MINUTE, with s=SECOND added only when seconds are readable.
h=3 m=42
